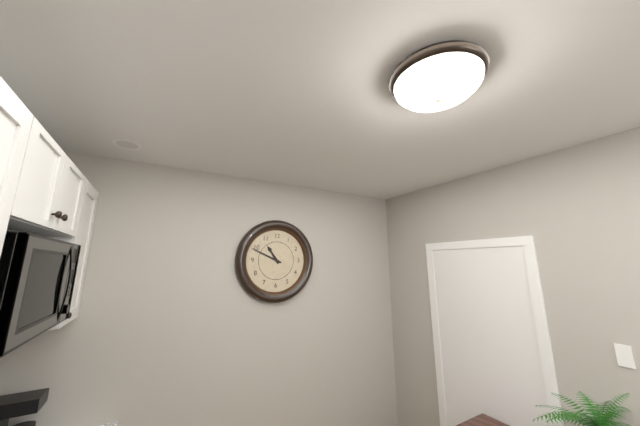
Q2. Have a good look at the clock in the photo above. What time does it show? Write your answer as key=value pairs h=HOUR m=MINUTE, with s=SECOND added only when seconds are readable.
h=10 m=49
